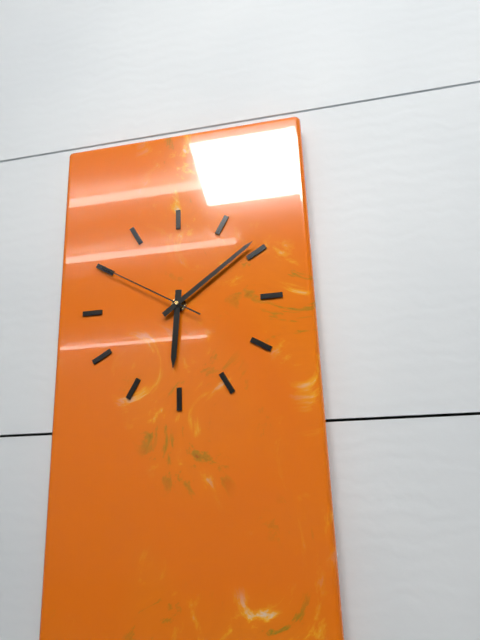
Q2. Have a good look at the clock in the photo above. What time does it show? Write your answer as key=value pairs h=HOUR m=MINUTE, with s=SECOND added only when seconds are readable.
h=6 m=9 s=50
